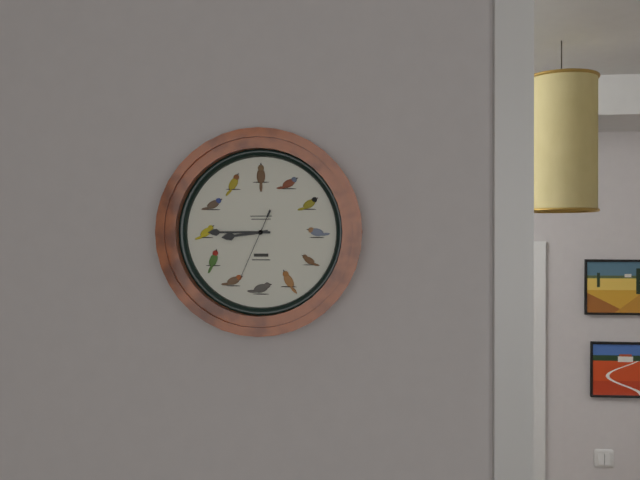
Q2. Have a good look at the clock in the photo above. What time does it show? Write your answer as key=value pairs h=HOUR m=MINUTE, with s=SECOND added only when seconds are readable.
h=8 m=45 s=34
